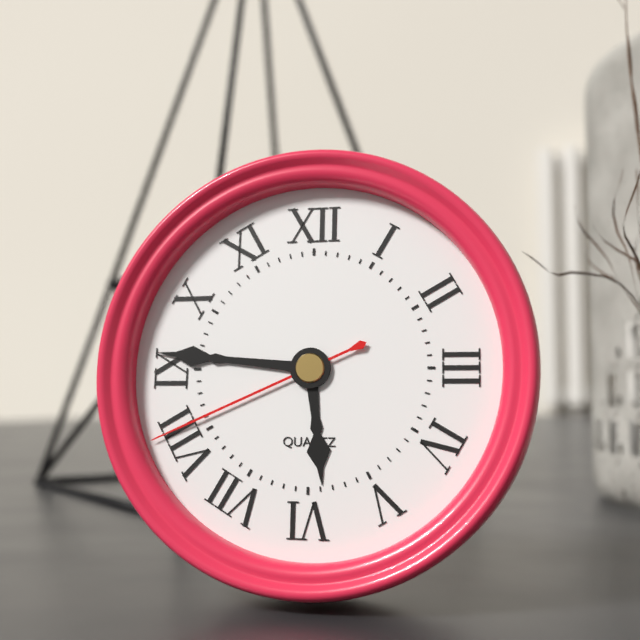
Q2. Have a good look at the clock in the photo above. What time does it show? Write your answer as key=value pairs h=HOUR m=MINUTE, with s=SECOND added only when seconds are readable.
h=5 m=46 s=41
